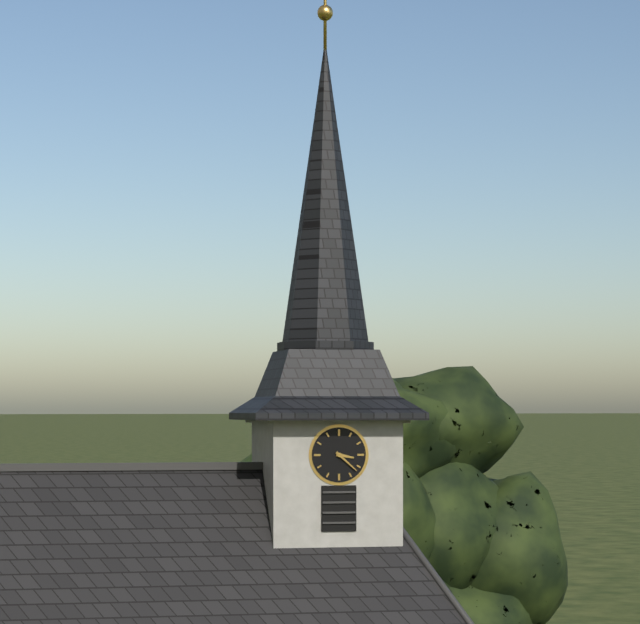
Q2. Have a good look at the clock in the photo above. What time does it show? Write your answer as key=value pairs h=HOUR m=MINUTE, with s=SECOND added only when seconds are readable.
h=3 m=22
